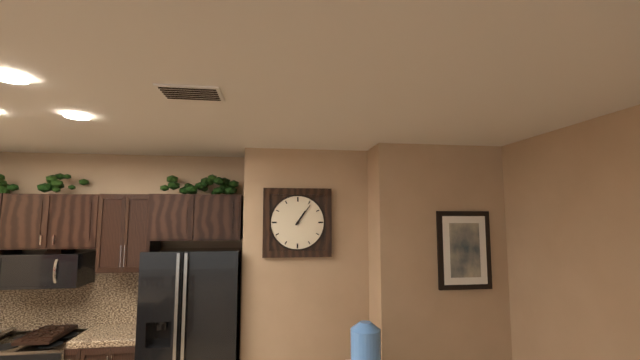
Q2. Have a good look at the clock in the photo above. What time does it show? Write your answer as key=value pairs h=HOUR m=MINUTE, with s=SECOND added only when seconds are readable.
h=1 m=6
